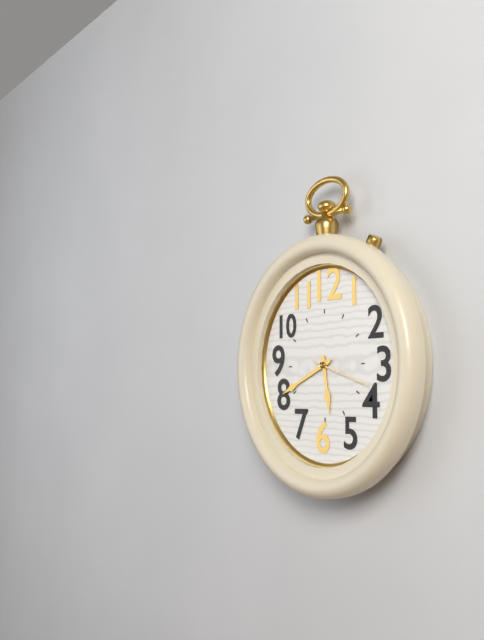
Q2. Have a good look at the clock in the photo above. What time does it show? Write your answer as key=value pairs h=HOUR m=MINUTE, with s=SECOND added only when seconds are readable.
h=5 m=41 s=18
